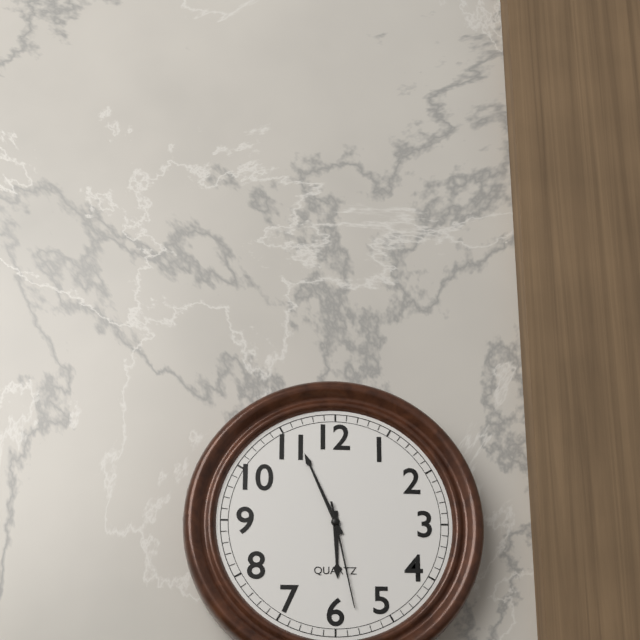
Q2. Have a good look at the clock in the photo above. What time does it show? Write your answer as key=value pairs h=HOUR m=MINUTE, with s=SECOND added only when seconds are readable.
h=5 m=56 s=28
